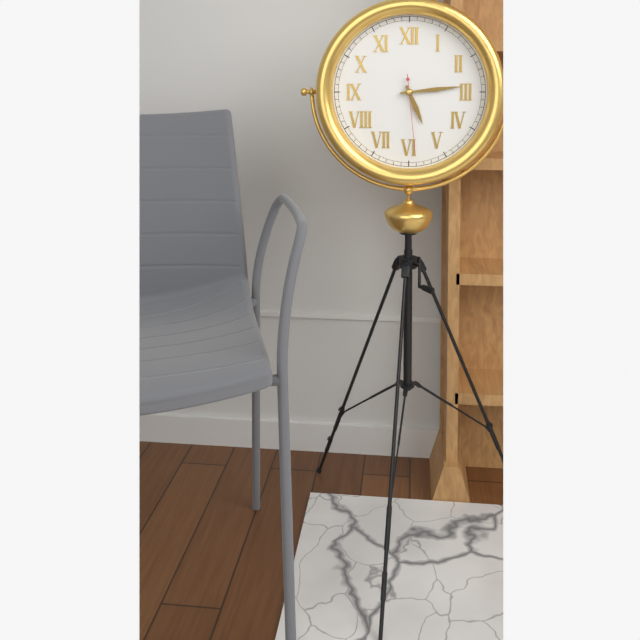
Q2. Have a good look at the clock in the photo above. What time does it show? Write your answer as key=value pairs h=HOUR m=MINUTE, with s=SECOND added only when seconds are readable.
h=5 m=14 s=29
